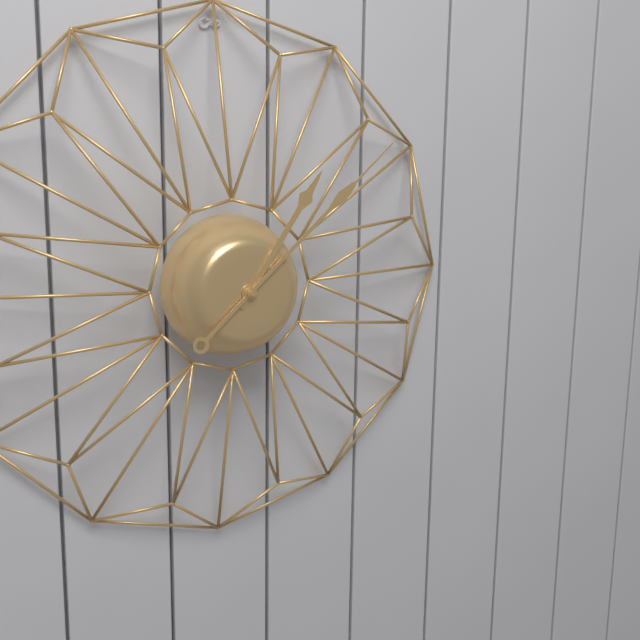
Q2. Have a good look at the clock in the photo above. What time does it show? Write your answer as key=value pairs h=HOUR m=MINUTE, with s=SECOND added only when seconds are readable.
h=1 m=8
